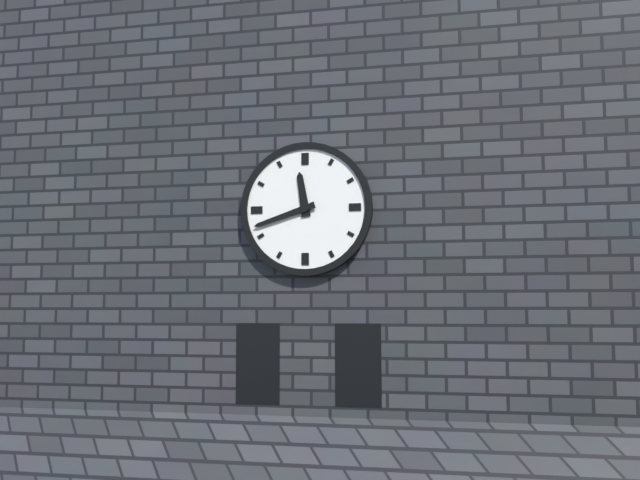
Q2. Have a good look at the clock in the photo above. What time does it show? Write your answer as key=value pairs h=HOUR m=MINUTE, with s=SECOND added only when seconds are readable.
h=11 m=42
